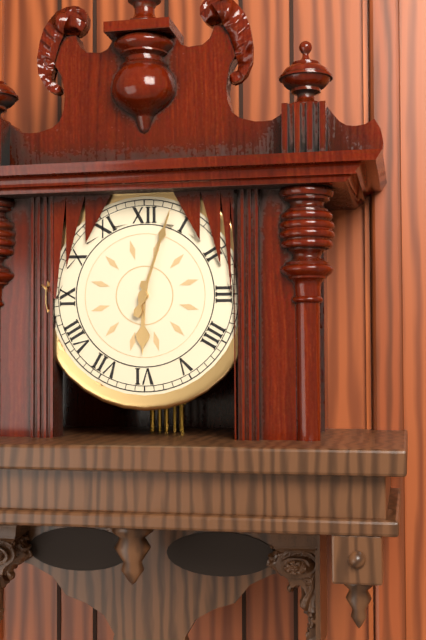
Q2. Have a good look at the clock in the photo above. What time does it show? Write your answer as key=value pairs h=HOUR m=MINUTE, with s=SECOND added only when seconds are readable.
h=6 m=3
